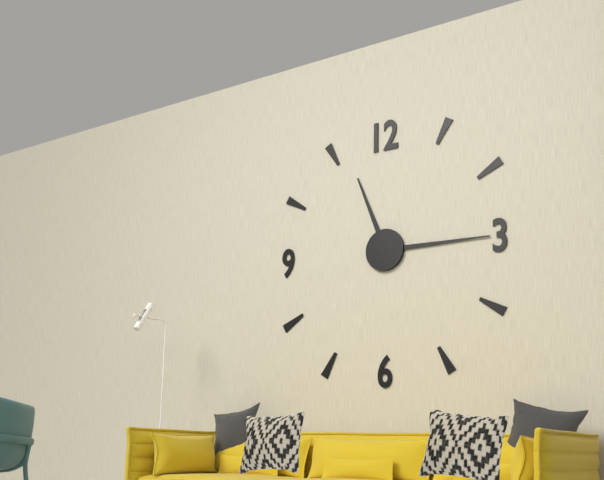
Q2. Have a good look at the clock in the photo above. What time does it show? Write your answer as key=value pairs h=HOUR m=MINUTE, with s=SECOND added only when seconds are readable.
h=11 m=15
